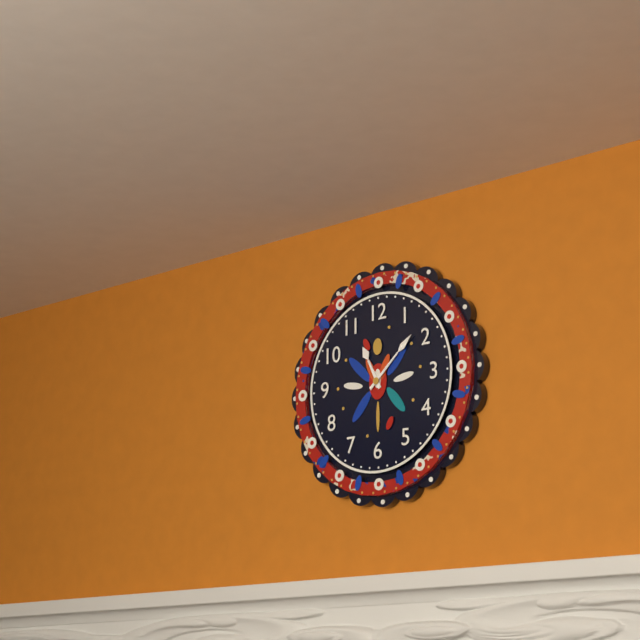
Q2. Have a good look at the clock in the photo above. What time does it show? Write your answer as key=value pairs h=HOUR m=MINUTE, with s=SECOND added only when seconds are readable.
h=11 m=8
